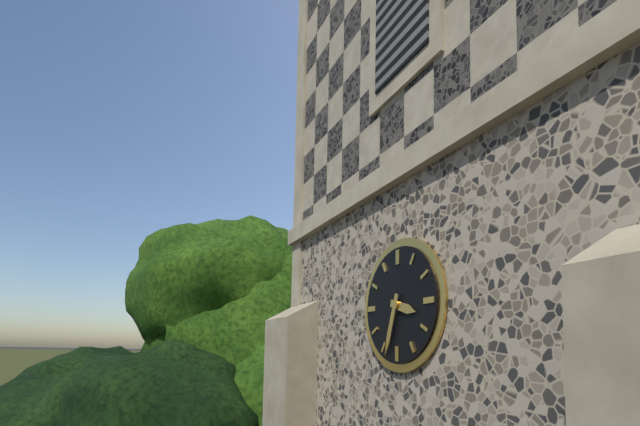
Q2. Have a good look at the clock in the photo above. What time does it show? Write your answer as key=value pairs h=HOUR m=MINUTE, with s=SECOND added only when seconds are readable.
h=3 m=33
